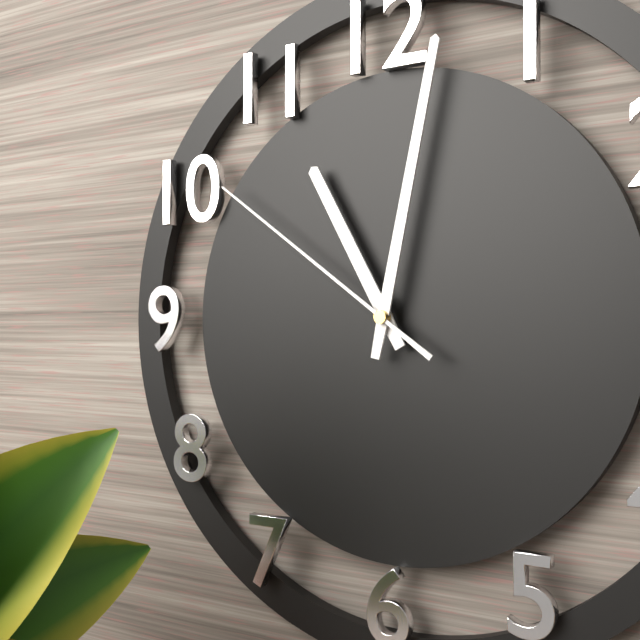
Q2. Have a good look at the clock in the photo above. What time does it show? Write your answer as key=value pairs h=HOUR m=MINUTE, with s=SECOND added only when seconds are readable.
h=11 m=2 s=51
